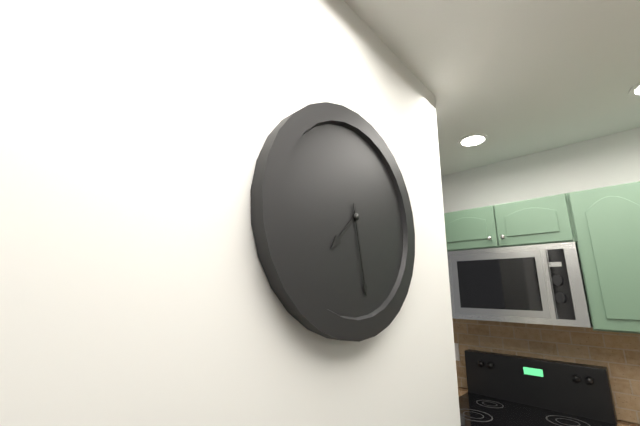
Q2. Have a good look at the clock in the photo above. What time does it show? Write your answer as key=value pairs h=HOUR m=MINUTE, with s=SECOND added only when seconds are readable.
h=7 m=28
